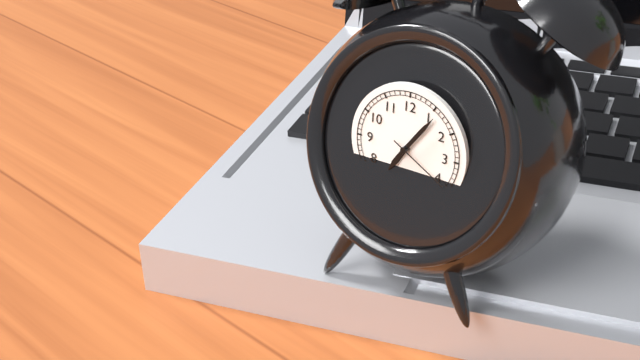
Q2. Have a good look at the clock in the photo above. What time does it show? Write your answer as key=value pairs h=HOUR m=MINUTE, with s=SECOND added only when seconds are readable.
h=7 m=6 s=20
